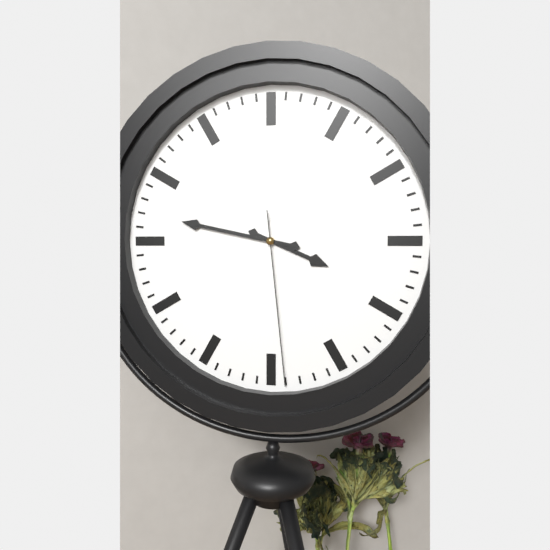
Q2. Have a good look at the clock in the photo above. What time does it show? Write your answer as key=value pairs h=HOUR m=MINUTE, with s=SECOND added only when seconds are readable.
h=3 m=47 s=29
